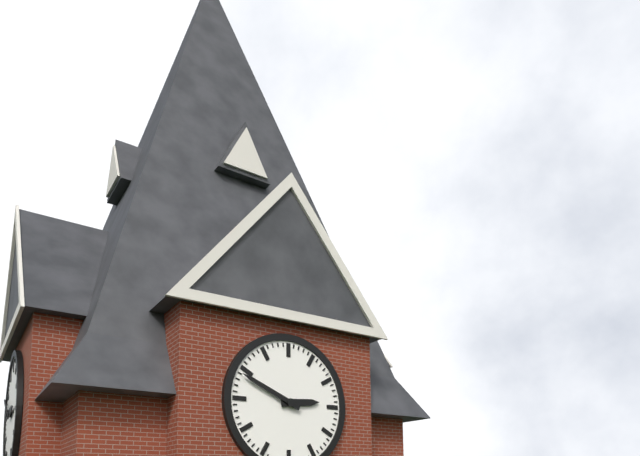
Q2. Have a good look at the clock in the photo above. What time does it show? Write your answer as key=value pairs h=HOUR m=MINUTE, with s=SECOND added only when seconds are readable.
h=2 m=49
